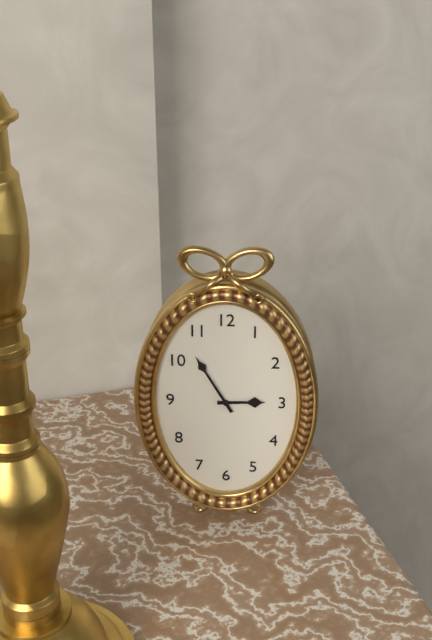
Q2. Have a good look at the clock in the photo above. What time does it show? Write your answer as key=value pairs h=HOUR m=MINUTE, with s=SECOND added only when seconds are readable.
h=2 m=55
